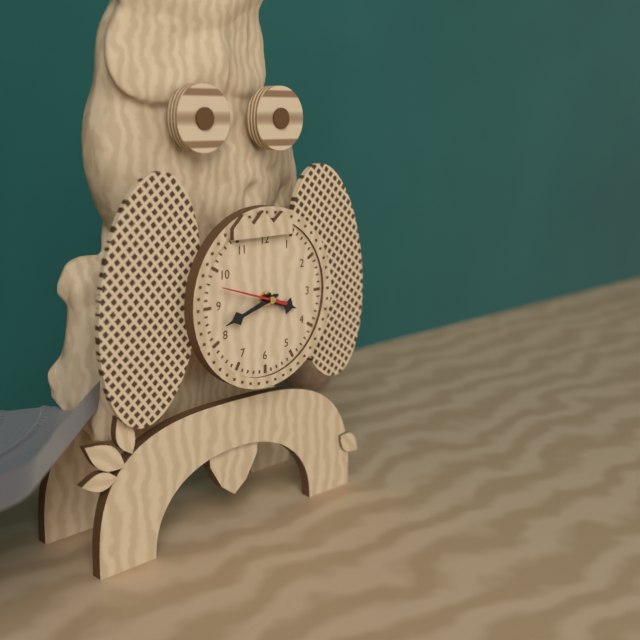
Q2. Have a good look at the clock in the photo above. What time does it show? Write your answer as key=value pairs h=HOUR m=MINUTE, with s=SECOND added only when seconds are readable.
h=3 m=42 s=48
